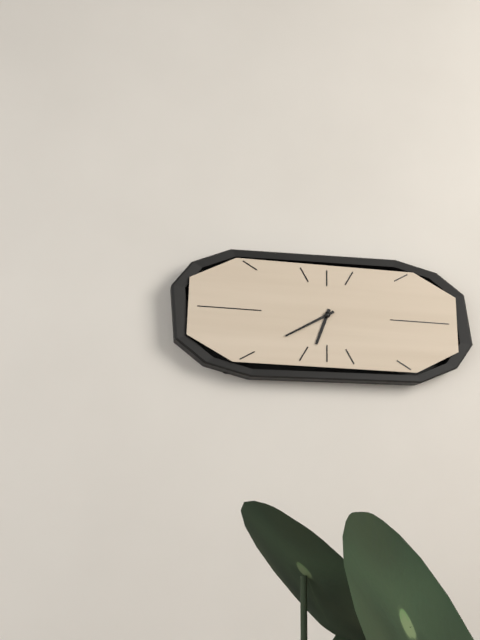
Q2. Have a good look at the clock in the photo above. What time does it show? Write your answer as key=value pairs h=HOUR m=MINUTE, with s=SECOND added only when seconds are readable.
h=6 m=40
